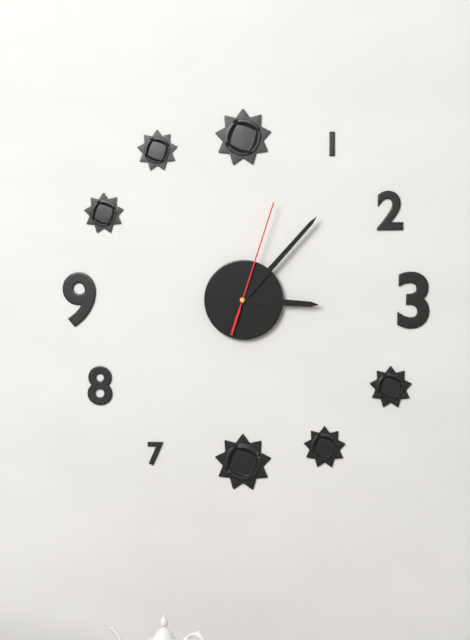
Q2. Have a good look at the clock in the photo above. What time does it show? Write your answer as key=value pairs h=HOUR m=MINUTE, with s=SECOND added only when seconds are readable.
h=3 m=7 s=3
